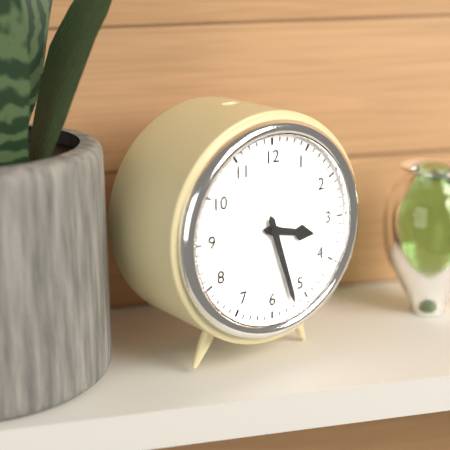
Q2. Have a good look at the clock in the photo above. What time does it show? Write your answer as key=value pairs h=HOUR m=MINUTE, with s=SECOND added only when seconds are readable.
h=3 m=27
